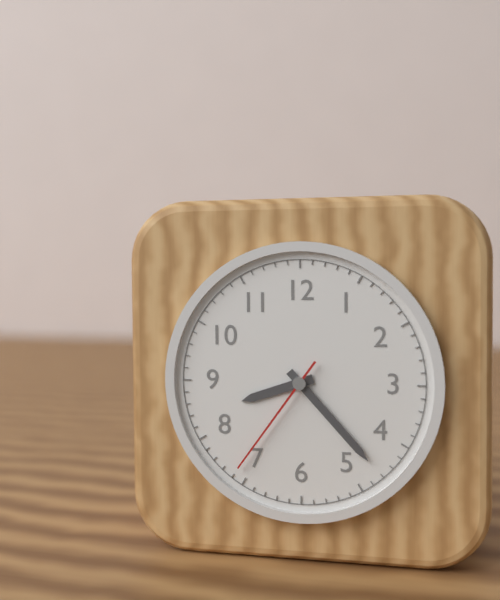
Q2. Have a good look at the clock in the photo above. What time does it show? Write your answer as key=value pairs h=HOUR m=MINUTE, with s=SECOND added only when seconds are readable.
h=8 m=23 s=36
